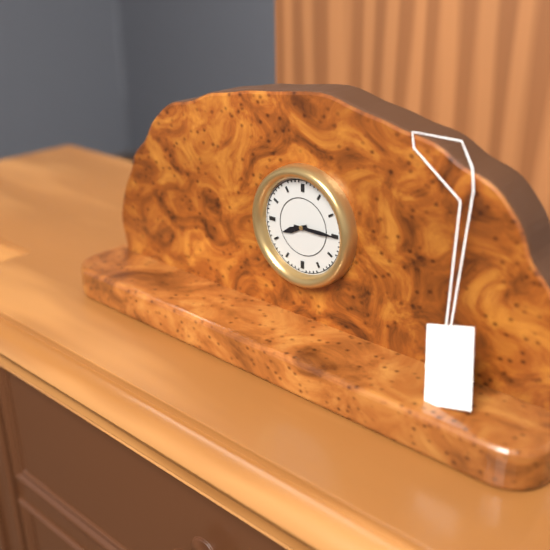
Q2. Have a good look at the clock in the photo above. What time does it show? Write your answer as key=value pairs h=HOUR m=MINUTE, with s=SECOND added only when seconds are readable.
h=8 m=15
